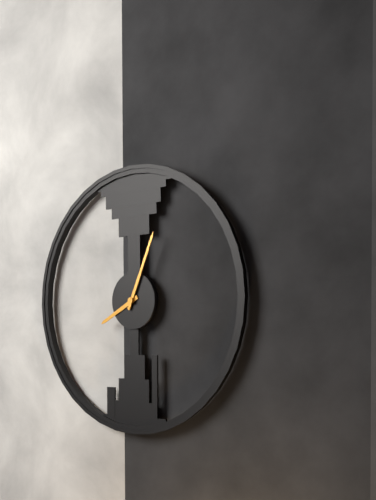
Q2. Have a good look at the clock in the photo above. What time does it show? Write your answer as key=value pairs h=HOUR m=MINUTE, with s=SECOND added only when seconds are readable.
h=8 m=4
